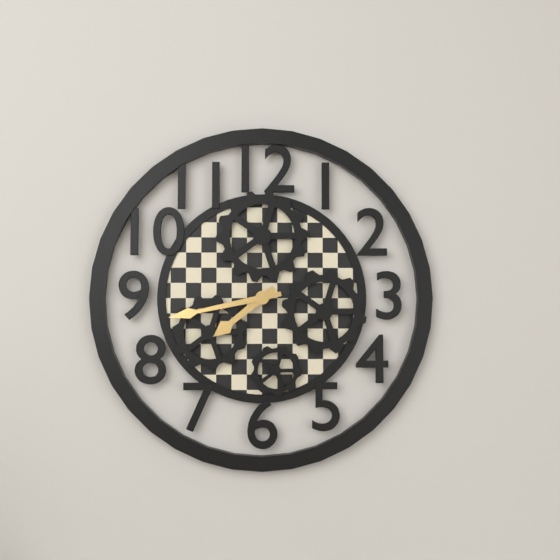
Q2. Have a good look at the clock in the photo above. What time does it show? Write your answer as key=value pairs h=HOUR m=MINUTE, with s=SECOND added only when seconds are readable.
h=7 m=43
